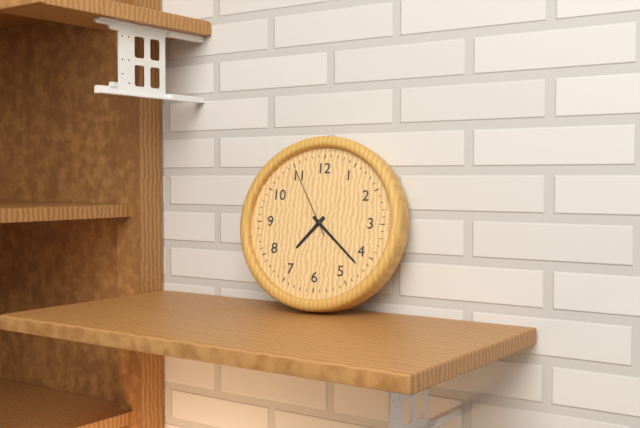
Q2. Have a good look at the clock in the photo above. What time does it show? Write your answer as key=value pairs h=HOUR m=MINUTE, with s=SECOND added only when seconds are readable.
h=7 m=22 s=55
